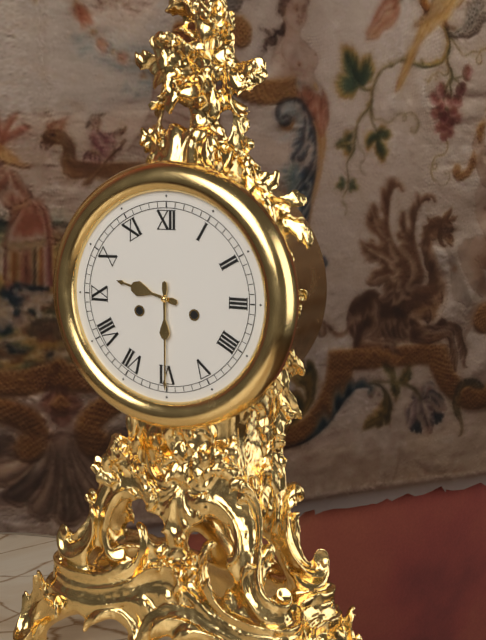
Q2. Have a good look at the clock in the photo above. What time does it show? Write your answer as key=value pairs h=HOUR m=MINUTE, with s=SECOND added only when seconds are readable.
h=9 m=30
